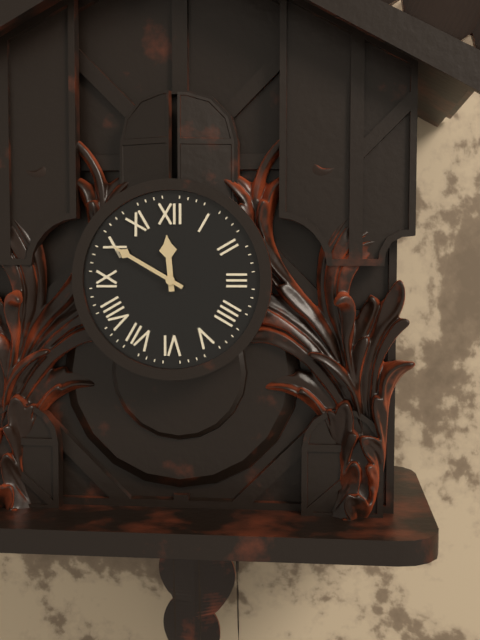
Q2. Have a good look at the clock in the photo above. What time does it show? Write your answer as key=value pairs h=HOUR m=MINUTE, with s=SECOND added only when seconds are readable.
h=11 m=50
